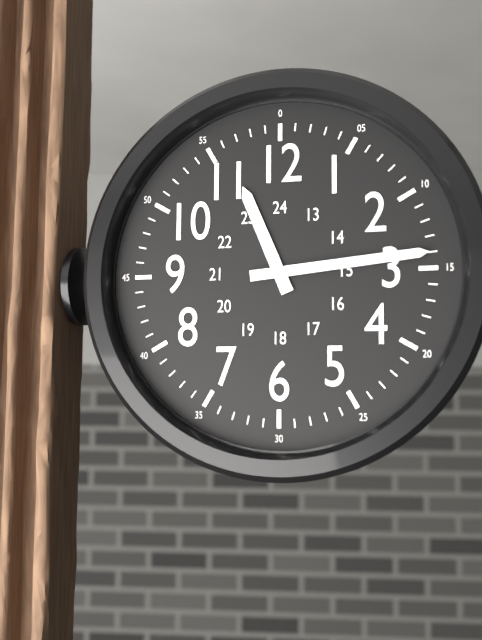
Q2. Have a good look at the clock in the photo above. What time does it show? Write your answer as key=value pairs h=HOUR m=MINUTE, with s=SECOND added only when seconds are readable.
h=11 m=14
